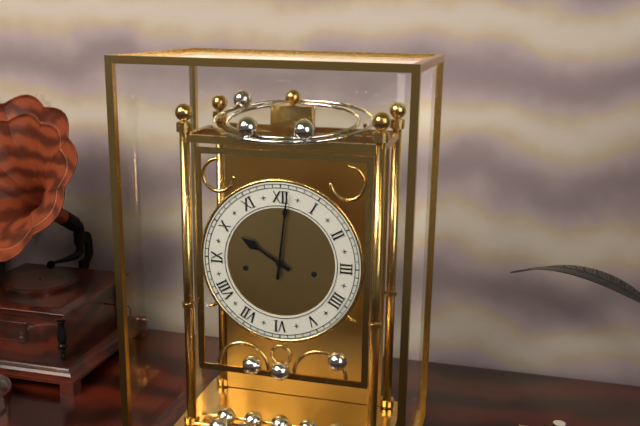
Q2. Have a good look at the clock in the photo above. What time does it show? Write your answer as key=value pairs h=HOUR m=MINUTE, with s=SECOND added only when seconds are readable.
h=10 m=1
